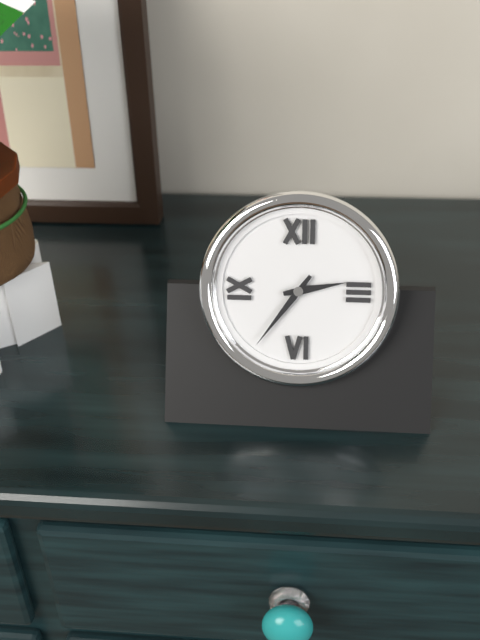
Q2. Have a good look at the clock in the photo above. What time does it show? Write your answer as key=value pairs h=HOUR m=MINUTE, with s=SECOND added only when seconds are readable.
h=2 m=36
